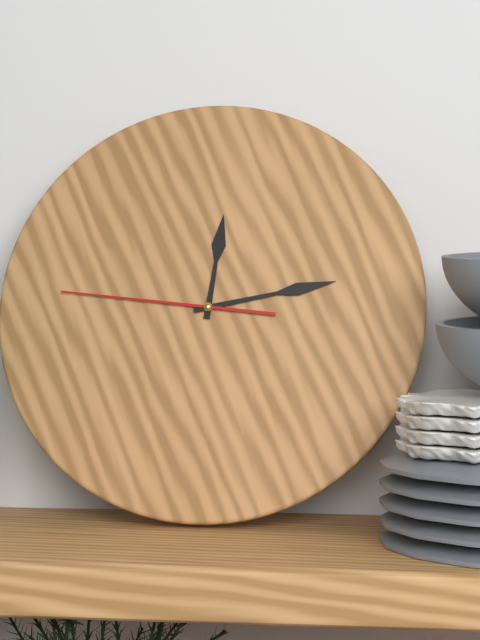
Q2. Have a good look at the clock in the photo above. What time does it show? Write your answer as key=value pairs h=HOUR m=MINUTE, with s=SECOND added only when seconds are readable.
h=12 m=13 s=46
